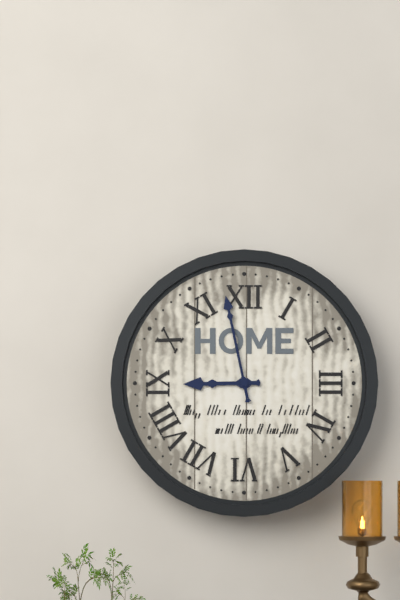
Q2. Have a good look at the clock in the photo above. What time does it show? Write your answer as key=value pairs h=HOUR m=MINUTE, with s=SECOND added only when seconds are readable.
h=8 m=58
